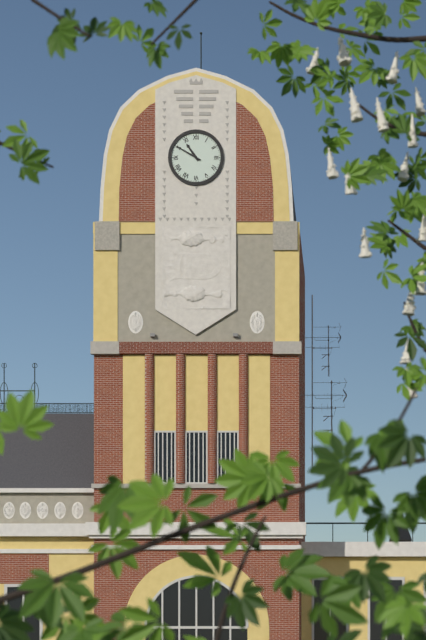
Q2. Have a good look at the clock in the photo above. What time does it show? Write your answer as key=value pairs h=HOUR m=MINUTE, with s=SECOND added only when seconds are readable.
h=10 m=50
